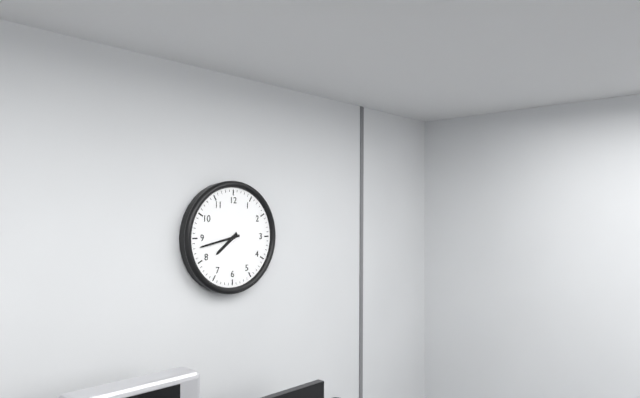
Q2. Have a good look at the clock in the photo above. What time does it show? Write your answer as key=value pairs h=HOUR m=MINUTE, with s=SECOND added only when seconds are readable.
h=7 m=43
